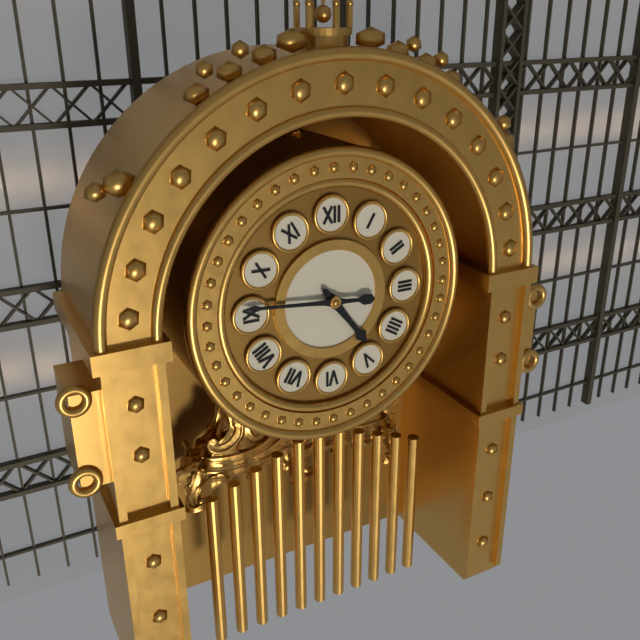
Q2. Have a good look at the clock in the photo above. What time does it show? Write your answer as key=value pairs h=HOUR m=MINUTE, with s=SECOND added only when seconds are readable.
h=4 m=46
